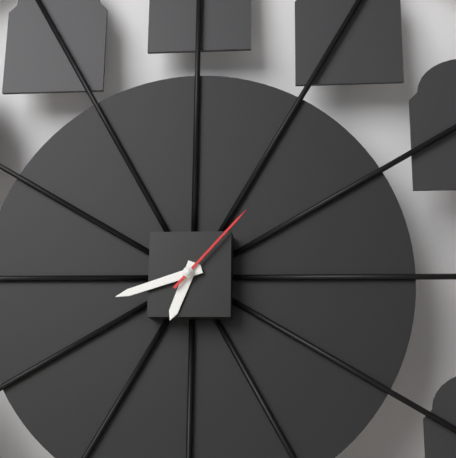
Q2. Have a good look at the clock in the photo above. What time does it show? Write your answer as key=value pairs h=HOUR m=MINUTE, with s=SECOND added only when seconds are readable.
h=6 m=42 s=7
